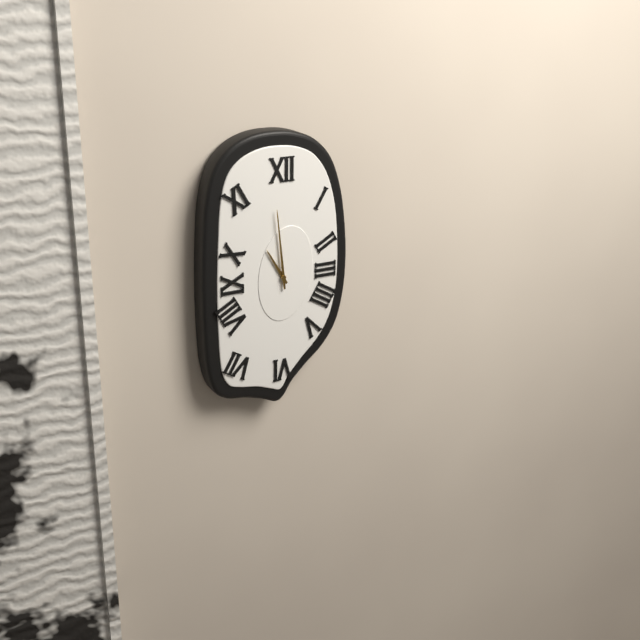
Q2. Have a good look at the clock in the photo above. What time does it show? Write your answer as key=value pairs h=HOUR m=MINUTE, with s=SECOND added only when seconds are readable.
h=10 m=59
